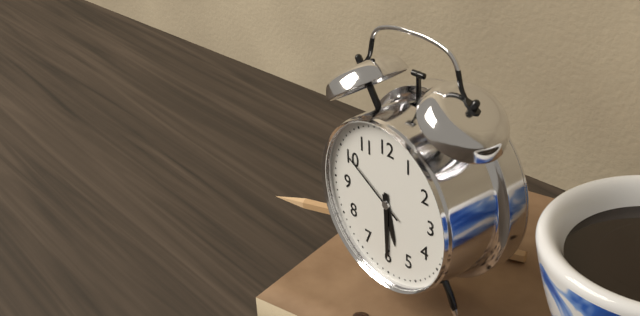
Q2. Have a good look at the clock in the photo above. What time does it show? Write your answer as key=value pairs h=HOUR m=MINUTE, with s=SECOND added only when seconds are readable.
h=5 m=30 s=50
